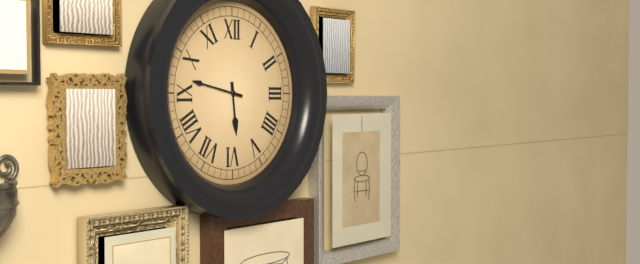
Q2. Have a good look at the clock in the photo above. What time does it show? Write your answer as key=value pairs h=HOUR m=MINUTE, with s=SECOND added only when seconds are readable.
h=5 m=47
